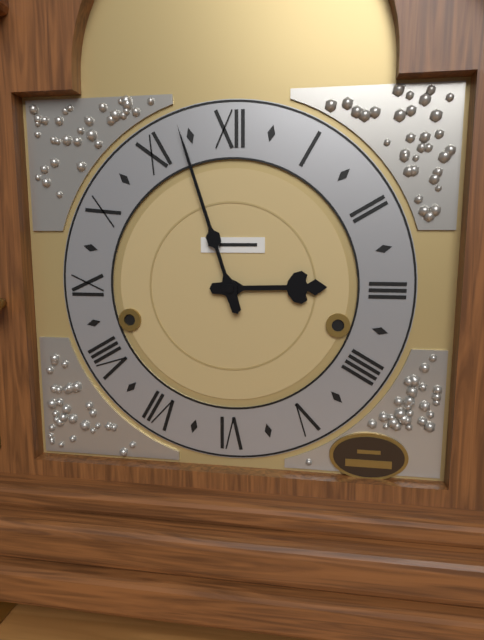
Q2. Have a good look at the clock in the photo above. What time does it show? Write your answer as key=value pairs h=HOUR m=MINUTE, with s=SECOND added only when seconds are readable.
h=2 m=57
